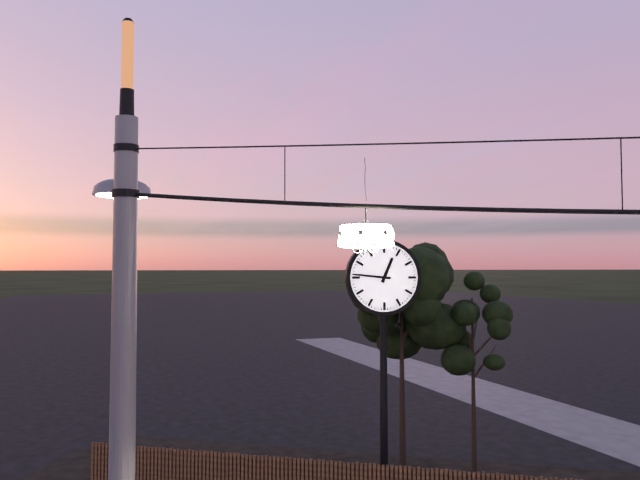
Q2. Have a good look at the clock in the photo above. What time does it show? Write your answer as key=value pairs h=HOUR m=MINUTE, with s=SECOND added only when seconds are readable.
h=12 m=46
